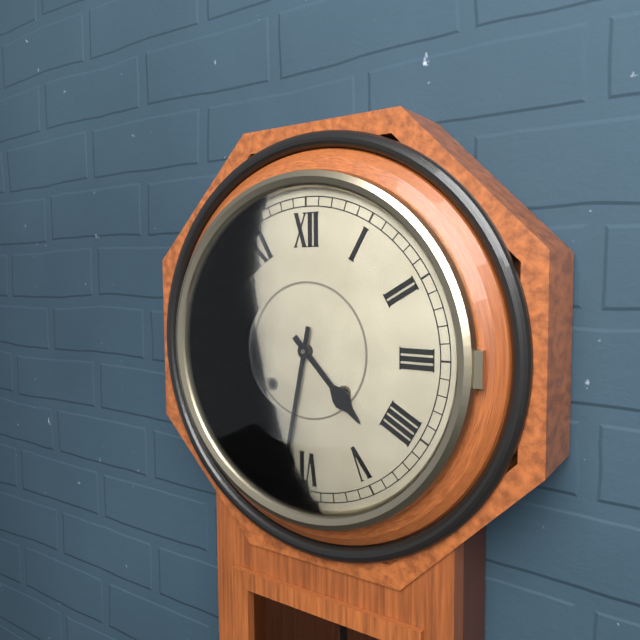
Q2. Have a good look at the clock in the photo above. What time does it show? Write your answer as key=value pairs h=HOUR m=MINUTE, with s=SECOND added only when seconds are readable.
h=4 m=32
